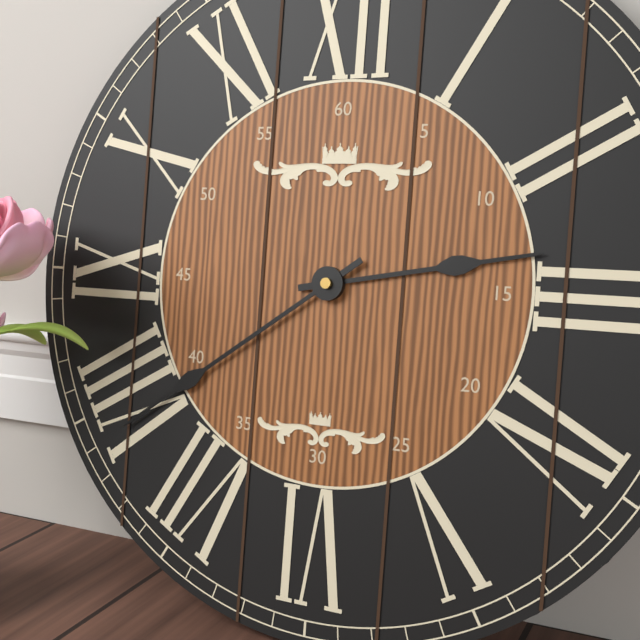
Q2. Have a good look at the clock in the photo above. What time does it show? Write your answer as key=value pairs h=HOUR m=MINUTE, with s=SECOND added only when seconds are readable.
h=2 m=39
